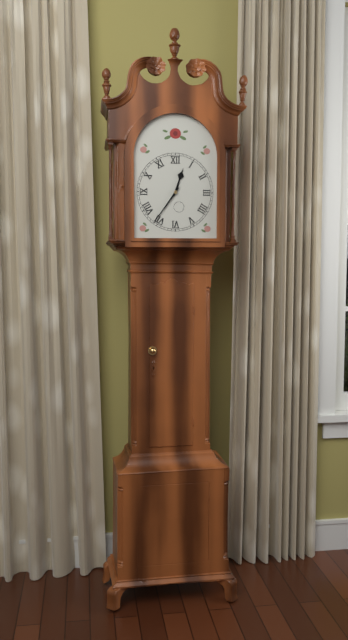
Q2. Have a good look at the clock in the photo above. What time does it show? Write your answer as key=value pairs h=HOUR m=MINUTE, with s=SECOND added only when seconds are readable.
h=12 m=36
